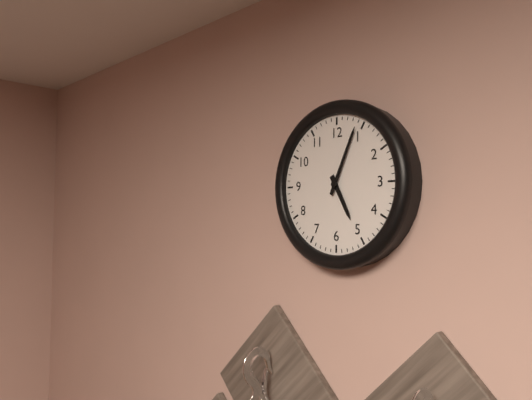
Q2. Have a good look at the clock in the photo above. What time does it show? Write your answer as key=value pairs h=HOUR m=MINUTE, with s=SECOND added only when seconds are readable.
h=5 m=4
